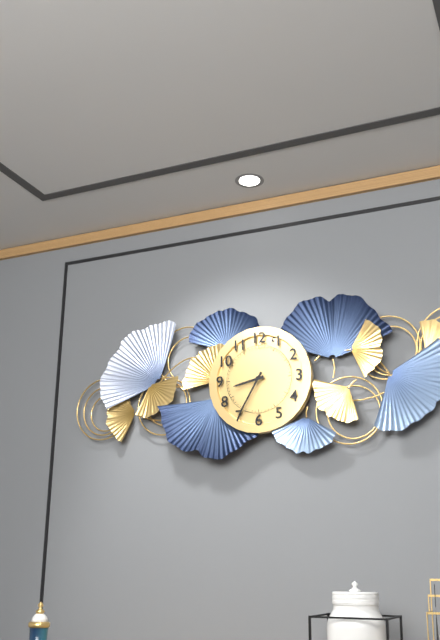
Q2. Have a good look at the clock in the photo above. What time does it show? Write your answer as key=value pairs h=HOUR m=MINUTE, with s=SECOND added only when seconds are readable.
h=8 m=35
